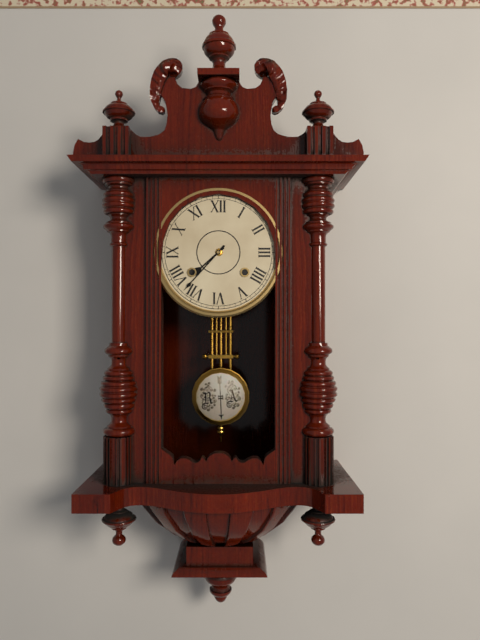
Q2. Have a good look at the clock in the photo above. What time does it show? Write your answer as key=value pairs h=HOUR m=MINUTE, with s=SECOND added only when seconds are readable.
h=7 m=37
